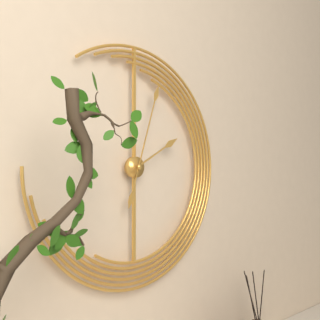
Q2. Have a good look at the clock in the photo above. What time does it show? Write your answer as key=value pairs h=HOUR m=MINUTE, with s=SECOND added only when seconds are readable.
h=2 m=3
